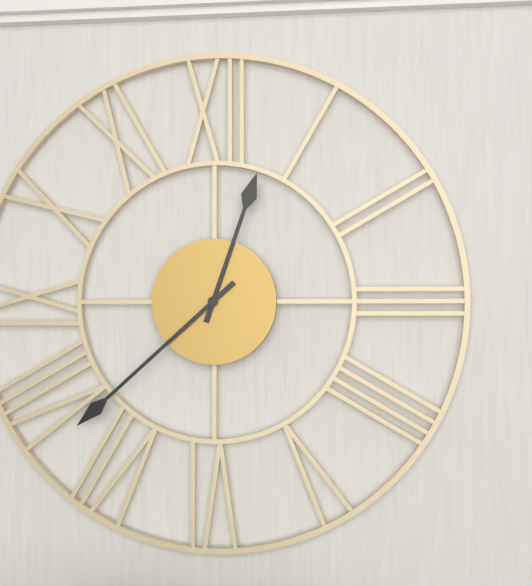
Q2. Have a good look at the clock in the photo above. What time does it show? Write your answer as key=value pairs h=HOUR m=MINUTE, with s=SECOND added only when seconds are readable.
h=12 m=38
